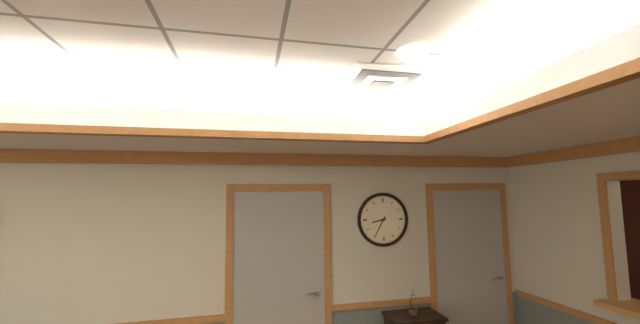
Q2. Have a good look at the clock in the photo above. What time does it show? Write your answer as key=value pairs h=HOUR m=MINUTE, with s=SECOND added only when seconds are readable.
h=8 m=35
